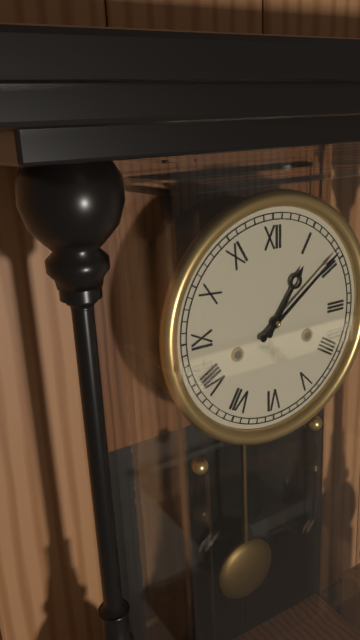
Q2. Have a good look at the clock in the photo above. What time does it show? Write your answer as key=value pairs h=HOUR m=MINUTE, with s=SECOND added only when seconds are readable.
h=1 m=9
